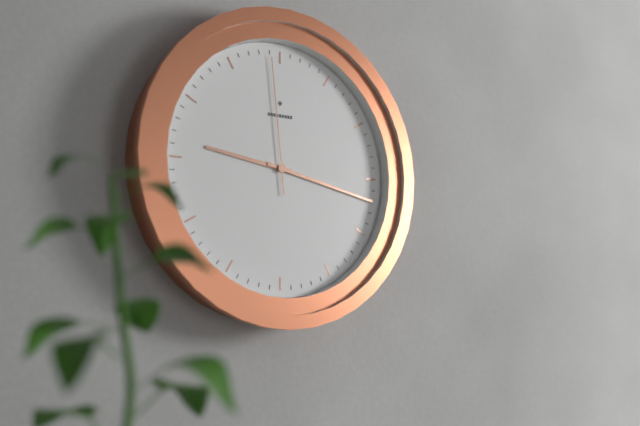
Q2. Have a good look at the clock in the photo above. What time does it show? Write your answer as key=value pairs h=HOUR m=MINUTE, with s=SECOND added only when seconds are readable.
h=9 m=17 s=59
